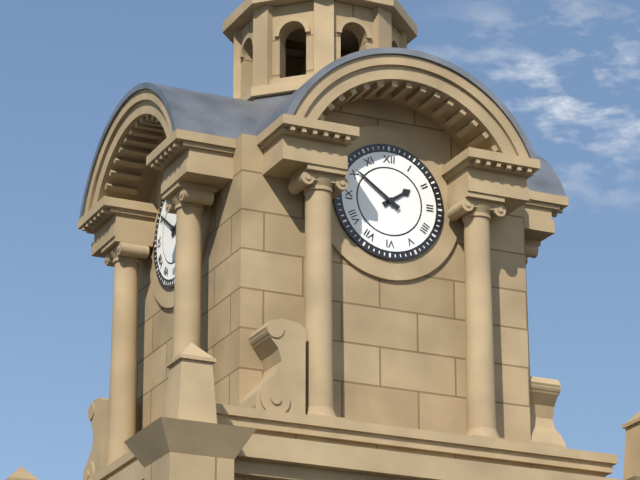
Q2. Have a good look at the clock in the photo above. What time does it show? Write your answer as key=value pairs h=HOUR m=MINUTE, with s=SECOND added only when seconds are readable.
h=1 m=51
